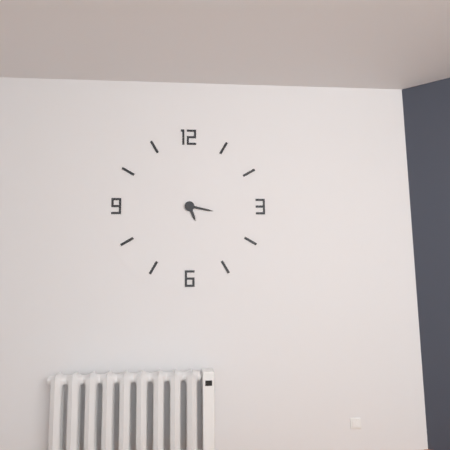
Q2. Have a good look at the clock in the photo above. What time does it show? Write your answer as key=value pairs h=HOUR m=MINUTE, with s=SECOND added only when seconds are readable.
h=5 m=17
